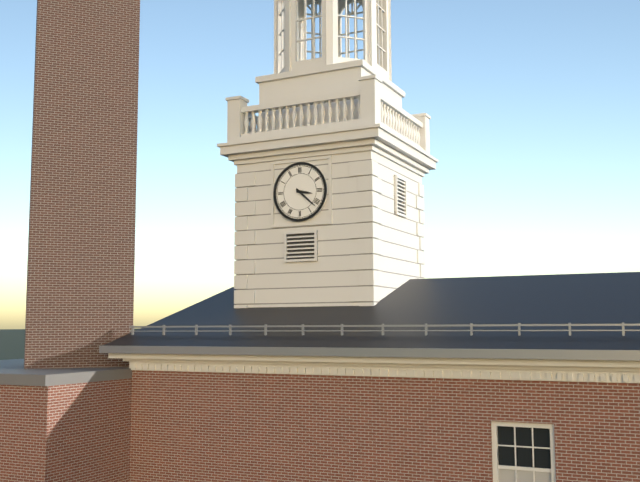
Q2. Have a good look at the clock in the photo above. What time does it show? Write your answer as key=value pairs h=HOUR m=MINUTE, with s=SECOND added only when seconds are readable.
h=3 m=22
